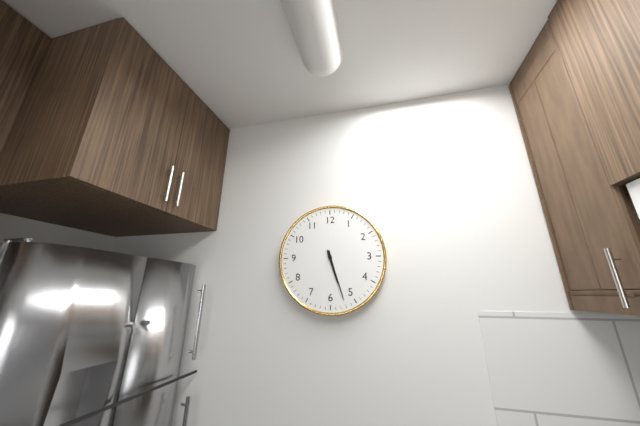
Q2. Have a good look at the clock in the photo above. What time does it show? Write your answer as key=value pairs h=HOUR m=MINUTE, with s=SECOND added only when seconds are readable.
h=5 m=27
